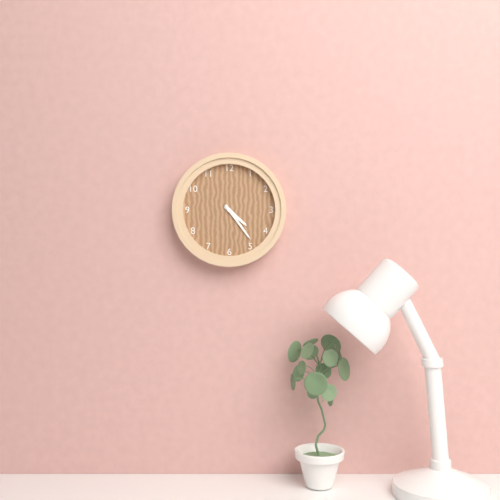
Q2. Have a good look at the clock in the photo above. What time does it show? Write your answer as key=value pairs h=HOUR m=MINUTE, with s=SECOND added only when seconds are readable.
h=4 m=24
